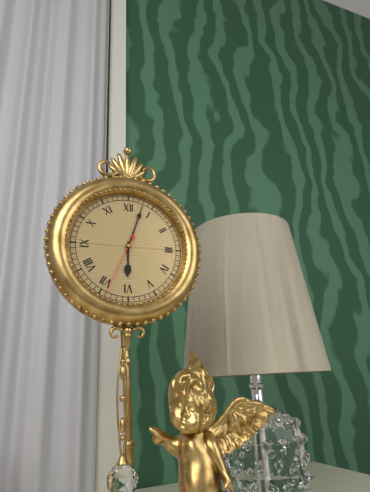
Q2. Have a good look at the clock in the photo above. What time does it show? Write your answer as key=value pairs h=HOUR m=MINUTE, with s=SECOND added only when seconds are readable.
h=6 m=3 s=34
